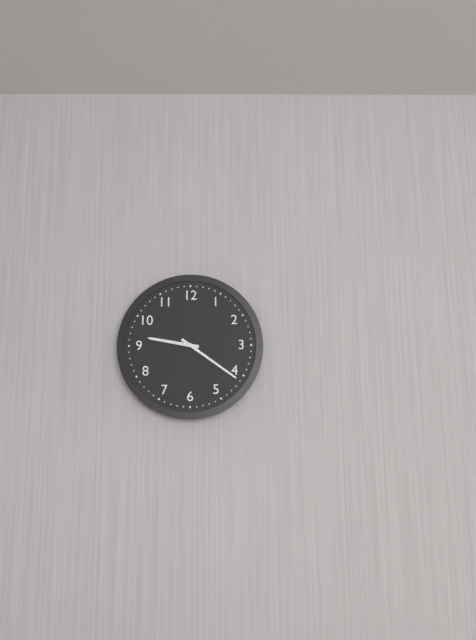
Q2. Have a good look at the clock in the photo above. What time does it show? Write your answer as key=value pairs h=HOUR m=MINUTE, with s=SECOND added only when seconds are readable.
h=9 m=21
